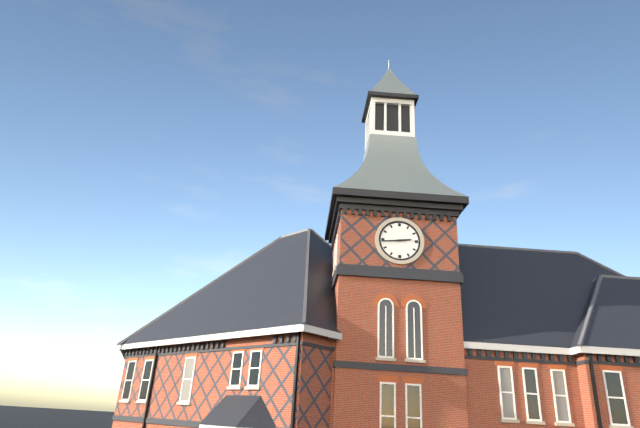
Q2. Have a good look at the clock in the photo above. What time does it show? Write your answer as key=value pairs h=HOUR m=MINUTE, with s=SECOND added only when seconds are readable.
h=2 m=44
